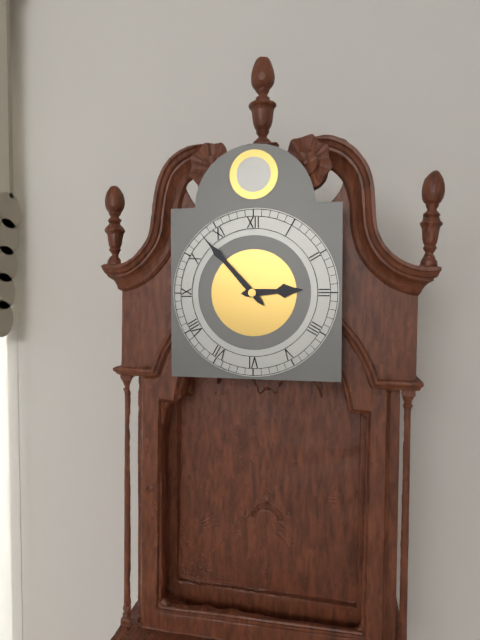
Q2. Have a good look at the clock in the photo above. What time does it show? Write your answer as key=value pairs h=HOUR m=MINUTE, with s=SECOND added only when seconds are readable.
h=2 m=53
